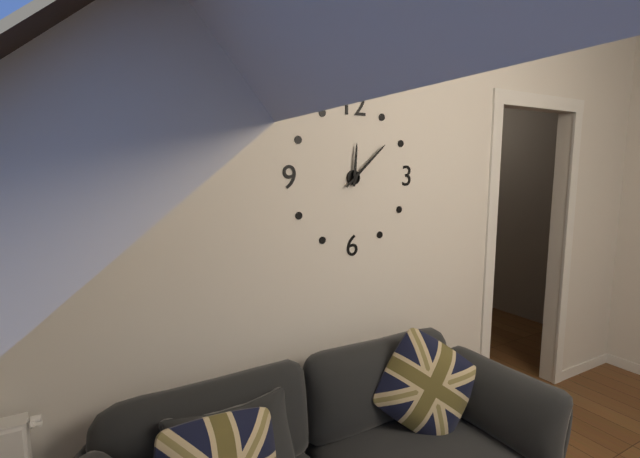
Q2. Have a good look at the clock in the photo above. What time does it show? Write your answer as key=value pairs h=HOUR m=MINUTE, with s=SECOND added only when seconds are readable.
h=12 m=8
